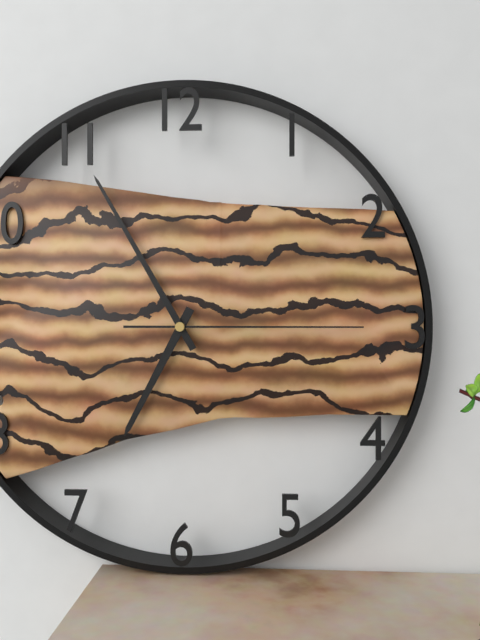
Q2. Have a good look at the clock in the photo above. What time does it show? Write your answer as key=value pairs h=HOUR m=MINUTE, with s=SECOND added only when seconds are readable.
h=6 m=55 s=15
